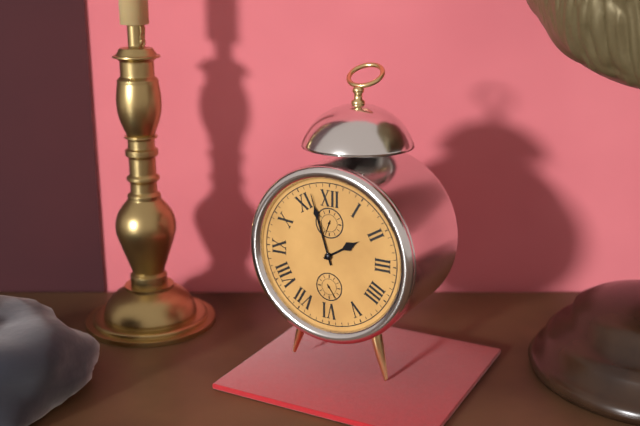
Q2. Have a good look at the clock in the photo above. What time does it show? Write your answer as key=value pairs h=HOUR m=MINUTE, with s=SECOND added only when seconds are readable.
h=1 m=57
